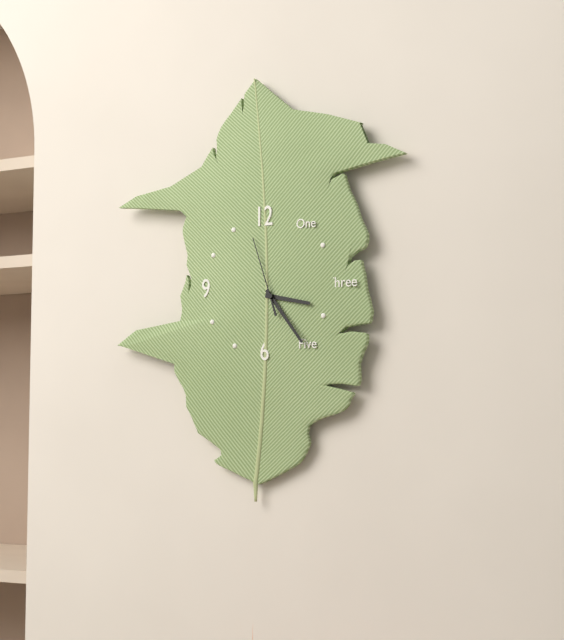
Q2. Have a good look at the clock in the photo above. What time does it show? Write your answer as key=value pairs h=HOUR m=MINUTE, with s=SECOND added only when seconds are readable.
h=3 m=24 s=57
